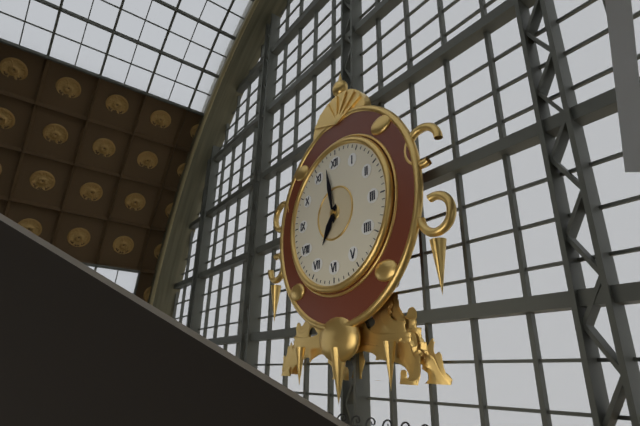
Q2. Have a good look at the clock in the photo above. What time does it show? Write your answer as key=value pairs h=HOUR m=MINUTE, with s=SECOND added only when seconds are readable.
h=6 m=58
